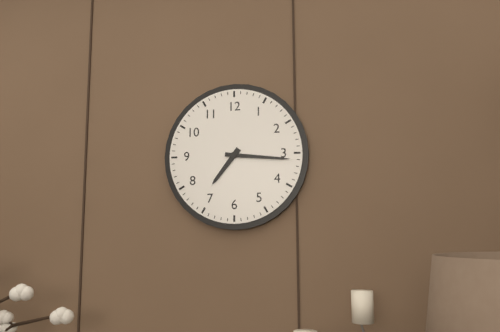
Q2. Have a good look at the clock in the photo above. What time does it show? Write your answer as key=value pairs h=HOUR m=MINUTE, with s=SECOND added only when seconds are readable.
h=7 m=16
